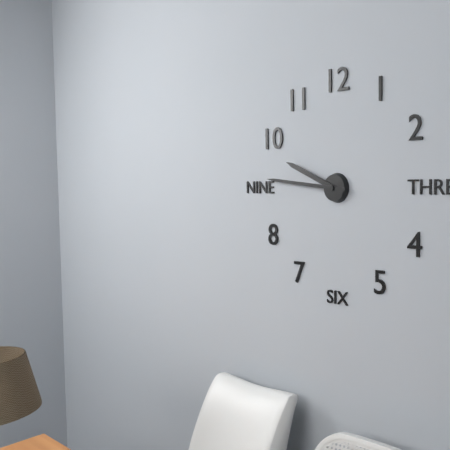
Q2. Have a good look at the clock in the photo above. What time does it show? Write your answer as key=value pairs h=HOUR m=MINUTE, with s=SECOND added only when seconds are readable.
h=9 m=46
